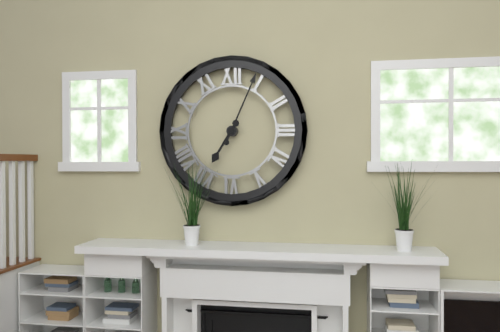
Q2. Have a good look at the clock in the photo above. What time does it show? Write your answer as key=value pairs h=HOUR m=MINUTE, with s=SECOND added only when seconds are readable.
h=7 m=4
